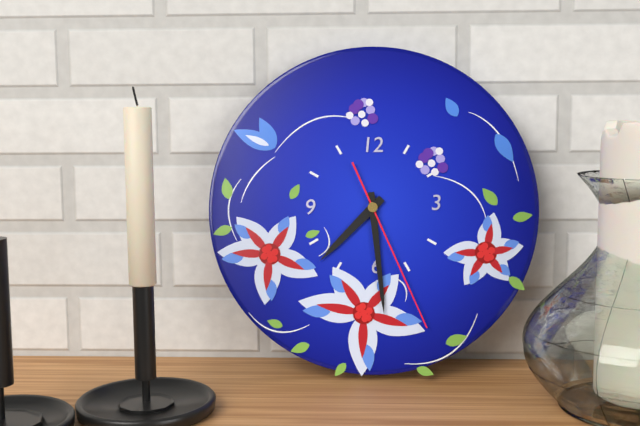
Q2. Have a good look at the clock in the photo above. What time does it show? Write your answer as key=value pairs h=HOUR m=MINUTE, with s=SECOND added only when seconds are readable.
h=7 m=29 s=26
